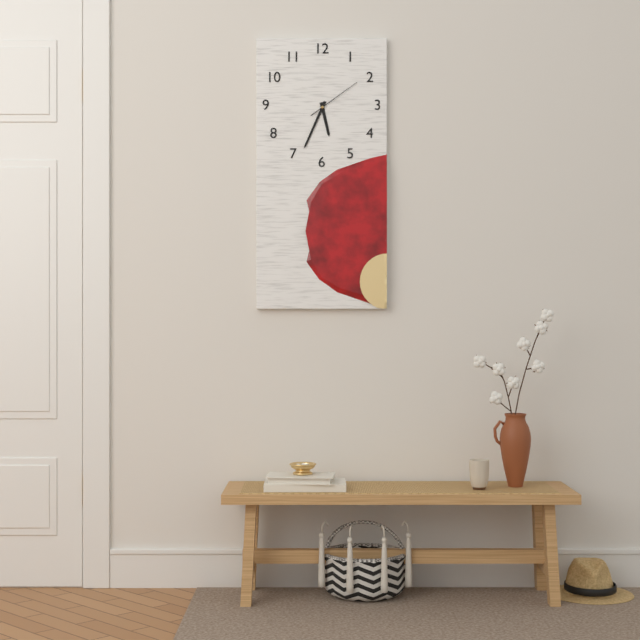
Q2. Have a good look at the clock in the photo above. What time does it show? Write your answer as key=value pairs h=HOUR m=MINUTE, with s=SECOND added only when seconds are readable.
h=5 m=34 s=9
